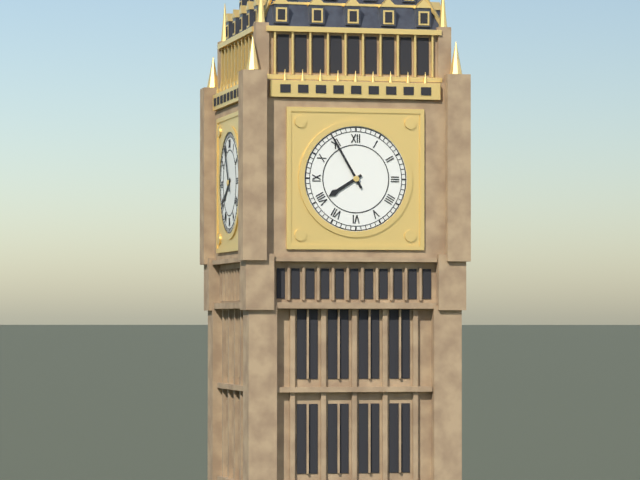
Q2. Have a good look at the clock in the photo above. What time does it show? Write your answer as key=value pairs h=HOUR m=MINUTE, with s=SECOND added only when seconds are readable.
h=7 m=55
